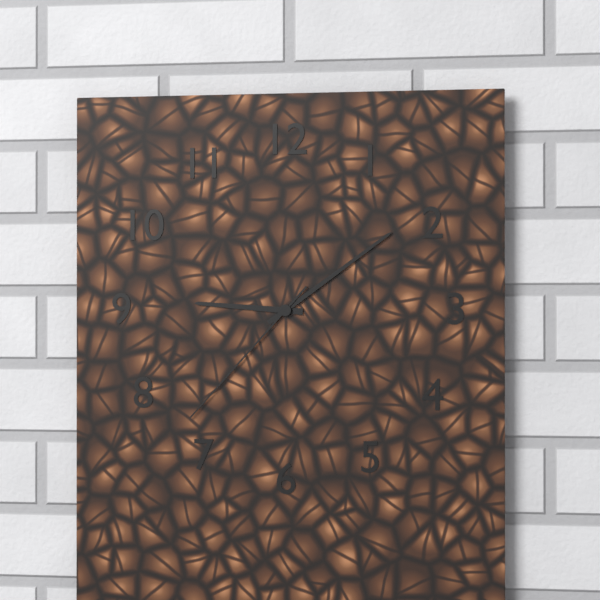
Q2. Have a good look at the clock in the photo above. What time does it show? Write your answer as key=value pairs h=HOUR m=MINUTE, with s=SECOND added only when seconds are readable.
h=9 m=9 s=37
